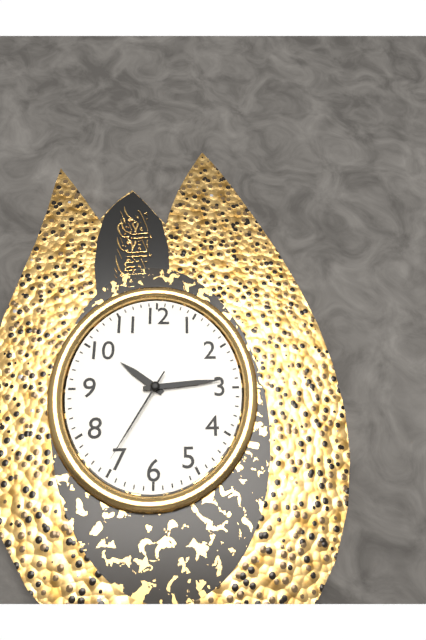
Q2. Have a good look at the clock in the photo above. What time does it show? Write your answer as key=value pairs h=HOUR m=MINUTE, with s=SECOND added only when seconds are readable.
h=10 m=14 s=35
